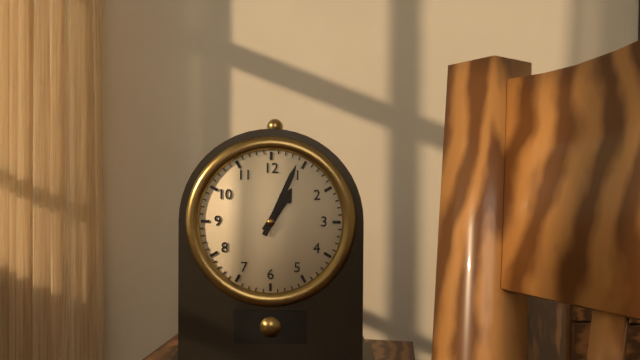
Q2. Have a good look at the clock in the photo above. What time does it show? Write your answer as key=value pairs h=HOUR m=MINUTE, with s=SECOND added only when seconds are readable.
h=1 m=4
